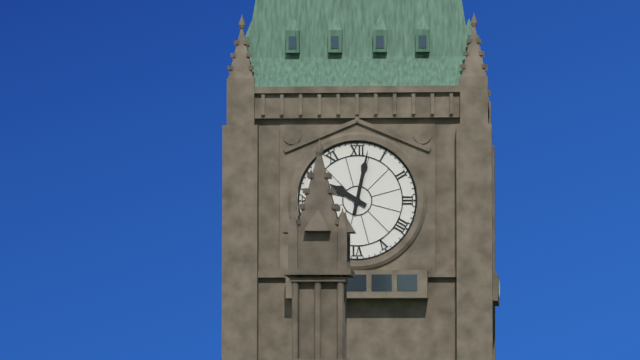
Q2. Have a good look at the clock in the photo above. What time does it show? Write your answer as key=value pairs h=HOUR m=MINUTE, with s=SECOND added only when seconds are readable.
h=10 m=2
